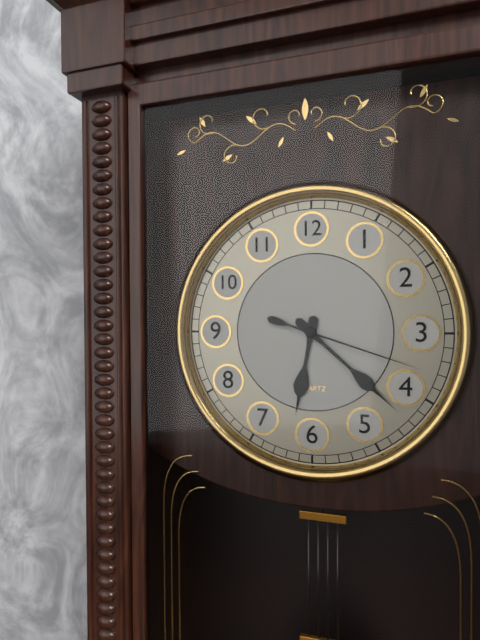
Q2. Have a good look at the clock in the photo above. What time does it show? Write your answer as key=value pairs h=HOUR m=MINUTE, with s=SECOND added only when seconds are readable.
h=6 m=22 s=18
